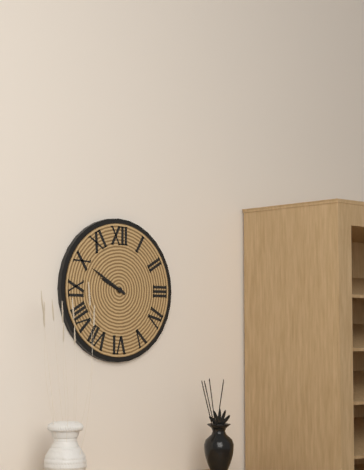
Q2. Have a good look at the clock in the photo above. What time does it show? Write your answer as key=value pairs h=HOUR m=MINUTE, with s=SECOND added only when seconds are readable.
h=9 m=50
